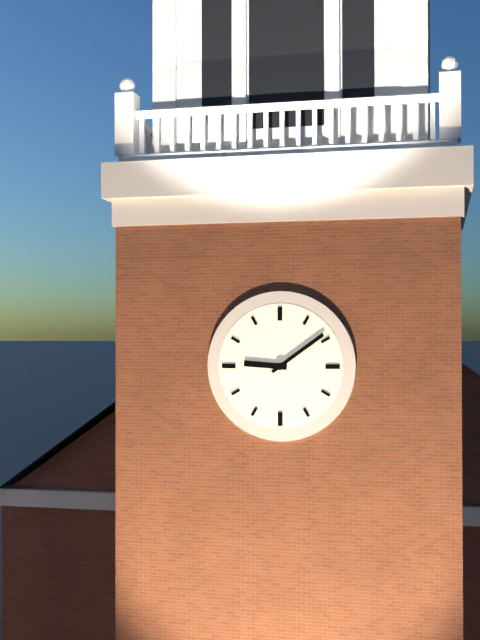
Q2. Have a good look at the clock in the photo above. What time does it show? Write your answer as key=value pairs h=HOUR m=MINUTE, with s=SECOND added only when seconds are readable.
h=9 m=9
